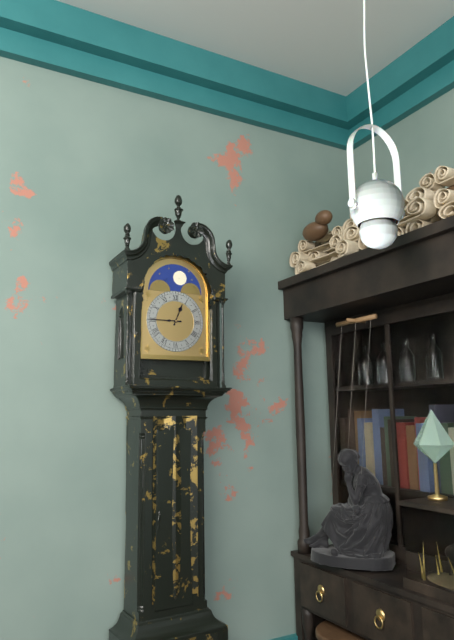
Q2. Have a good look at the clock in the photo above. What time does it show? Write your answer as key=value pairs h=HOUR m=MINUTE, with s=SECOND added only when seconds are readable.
h=12 m=45
